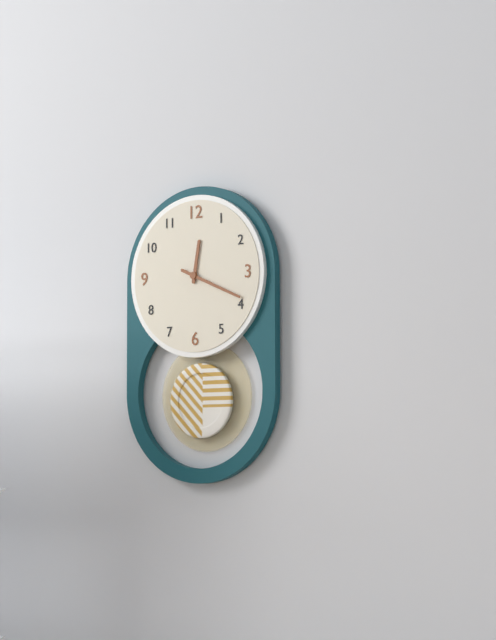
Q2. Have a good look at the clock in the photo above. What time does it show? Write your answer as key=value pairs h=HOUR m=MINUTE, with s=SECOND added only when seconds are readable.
h=12 m=19
